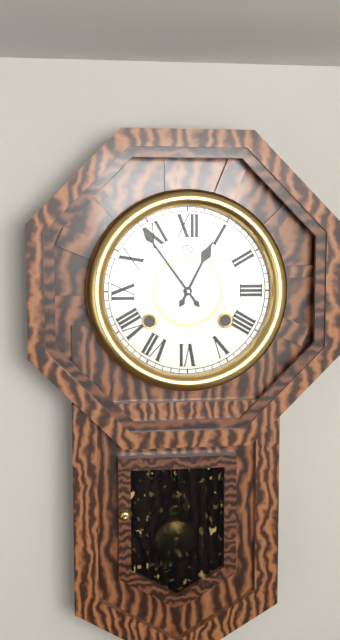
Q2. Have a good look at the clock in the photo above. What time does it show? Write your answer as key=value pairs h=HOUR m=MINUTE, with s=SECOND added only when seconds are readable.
h=12 m=54
